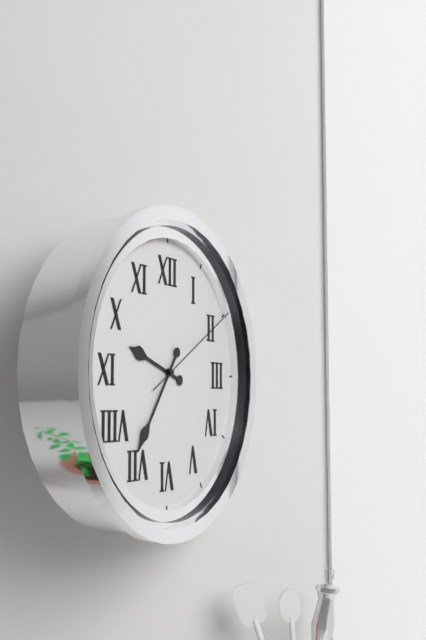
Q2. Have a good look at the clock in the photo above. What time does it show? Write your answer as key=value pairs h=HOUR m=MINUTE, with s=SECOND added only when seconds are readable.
h=9 m=36 s=10
